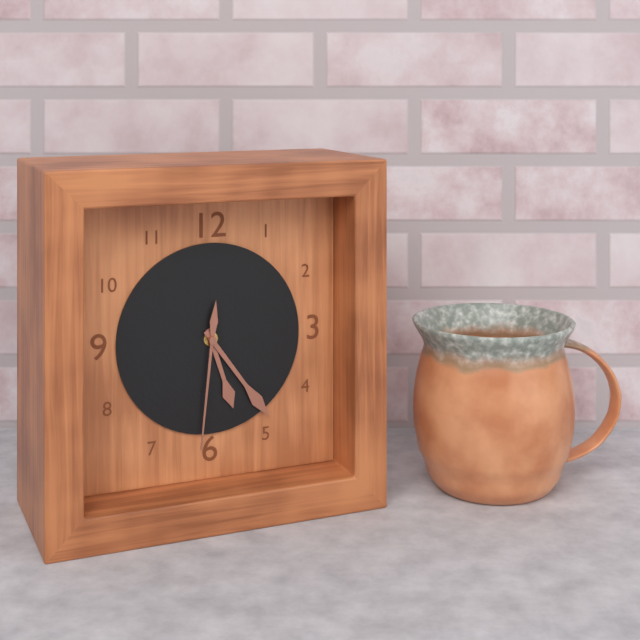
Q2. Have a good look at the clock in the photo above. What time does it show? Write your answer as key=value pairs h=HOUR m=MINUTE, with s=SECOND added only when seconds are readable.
h=5 m=24 s=31
